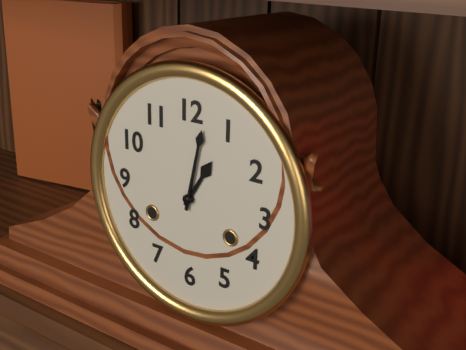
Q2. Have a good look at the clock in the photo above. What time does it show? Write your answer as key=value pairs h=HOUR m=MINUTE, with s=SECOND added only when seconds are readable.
h=1 m=2
